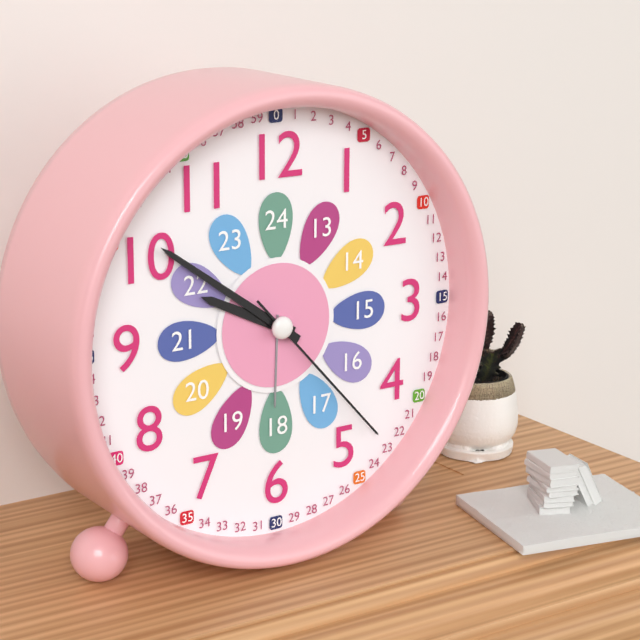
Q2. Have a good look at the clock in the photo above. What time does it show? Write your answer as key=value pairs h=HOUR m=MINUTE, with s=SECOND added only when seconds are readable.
h=9 m=51 s=23
